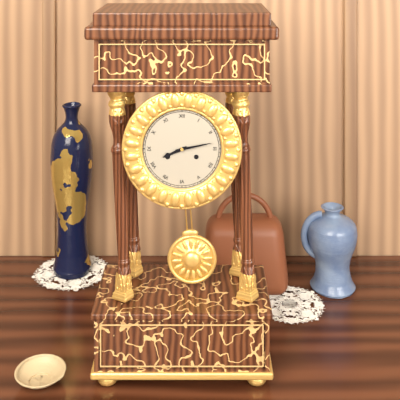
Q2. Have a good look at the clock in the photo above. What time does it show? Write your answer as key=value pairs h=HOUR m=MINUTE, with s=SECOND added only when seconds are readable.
h=8 m=13
